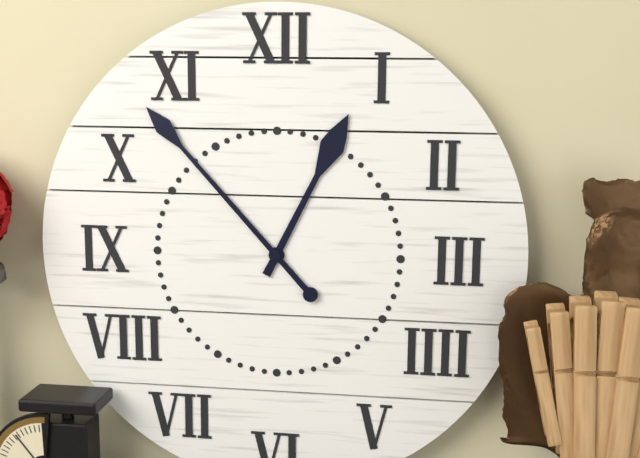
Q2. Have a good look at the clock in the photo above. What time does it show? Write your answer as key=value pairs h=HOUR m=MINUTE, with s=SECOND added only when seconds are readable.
h=12 m=53
